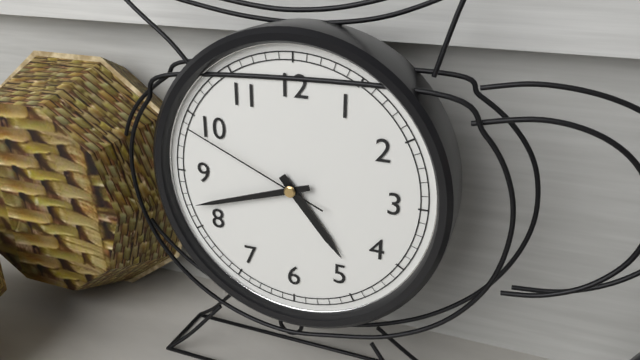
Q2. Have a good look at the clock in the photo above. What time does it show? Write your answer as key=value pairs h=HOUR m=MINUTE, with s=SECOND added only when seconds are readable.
h=4 m=42 s=49
